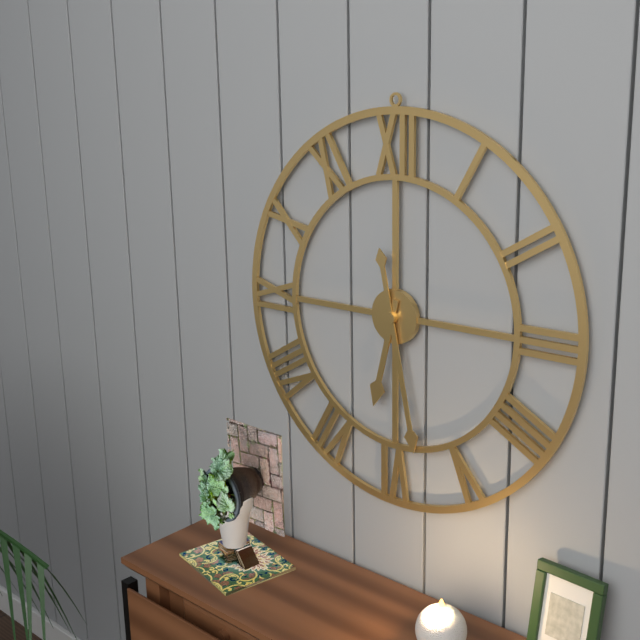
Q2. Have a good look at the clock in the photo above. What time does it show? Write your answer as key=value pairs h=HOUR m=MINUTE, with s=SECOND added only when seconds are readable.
h=6 m=28
